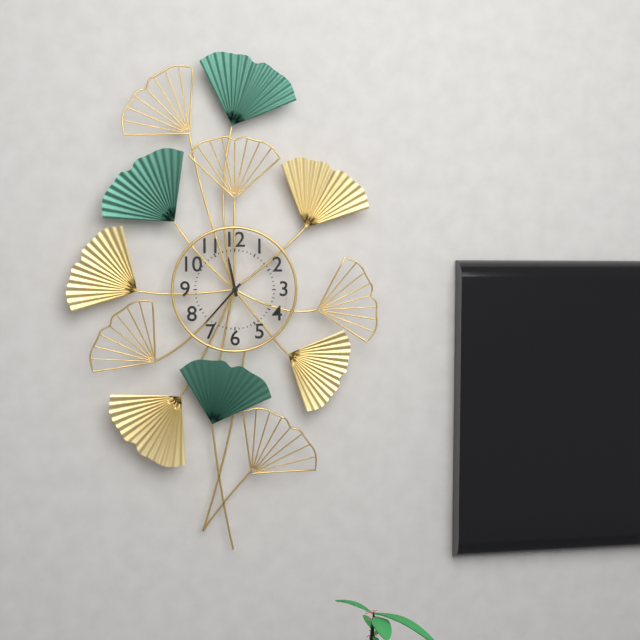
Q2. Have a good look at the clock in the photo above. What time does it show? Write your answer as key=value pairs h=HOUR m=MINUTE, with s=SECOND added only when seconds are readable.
h=11 m=37
